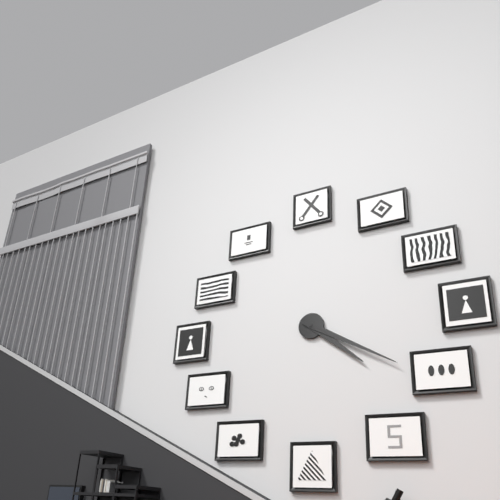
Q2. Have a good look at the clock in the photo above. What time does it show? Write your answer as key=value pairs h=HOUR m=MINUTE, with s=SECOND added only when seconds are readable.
h=4 m=20
